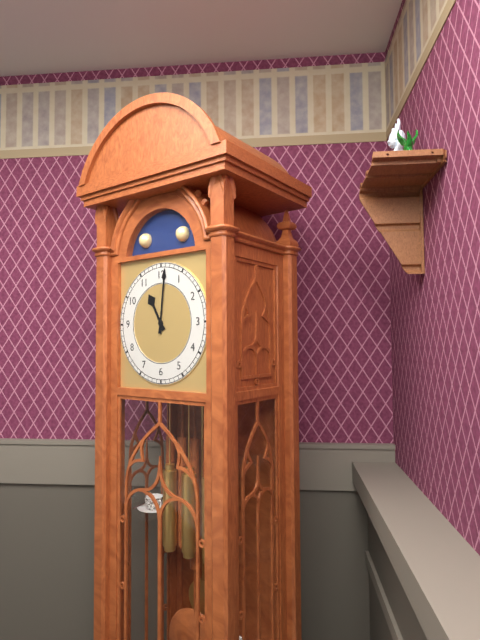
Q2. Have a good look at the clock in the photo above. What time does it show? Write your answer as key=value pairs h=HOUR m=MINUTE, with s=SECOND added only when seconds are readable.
h=11 m=1
